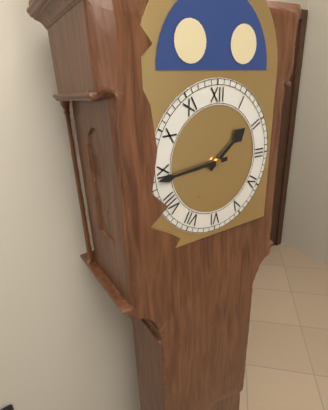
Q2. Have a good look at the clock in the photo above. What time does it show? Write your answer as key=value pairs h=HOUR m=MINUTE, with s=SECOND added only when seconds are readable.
h=1 m=44
